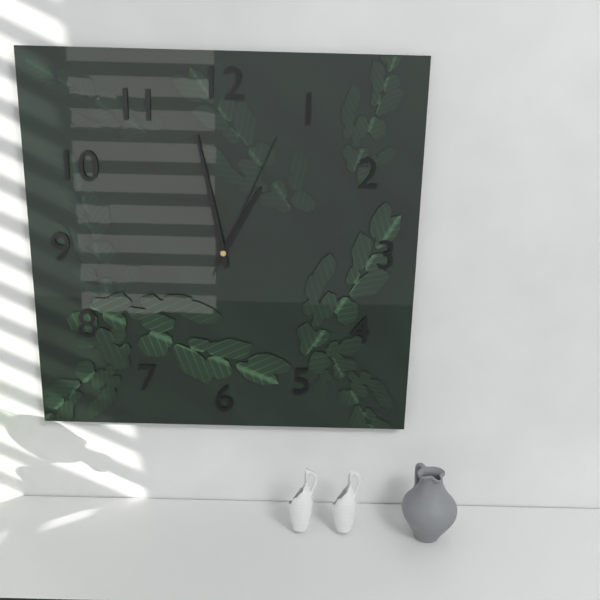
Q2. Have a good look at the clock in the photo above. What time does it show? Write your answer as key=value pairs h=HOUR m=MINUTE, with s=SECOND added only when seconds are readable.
h=12 m=58 s=4
